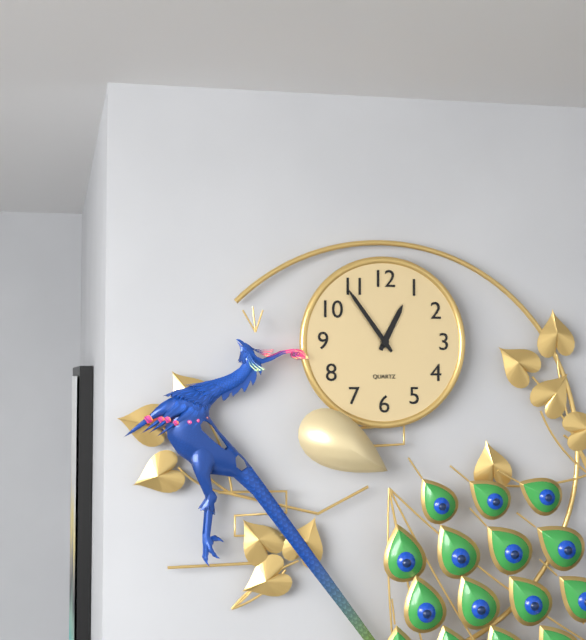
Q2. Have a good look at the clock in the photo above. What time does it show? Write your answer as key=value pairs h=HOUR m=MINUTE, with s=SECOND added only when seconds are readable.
h=12 m=54
